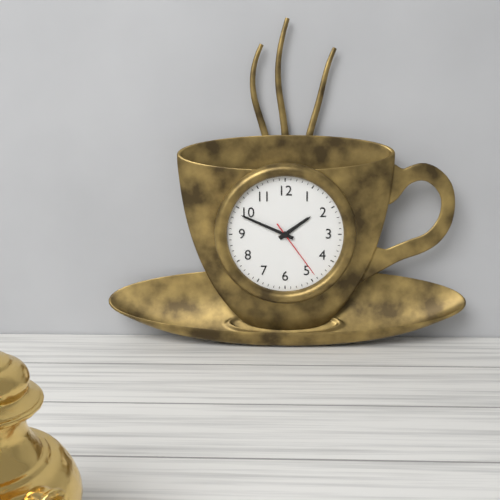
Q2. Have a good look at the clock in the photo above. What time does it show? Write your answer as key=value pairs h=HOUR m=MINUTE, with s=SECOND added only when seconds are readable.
h=1 m=49 s=24
